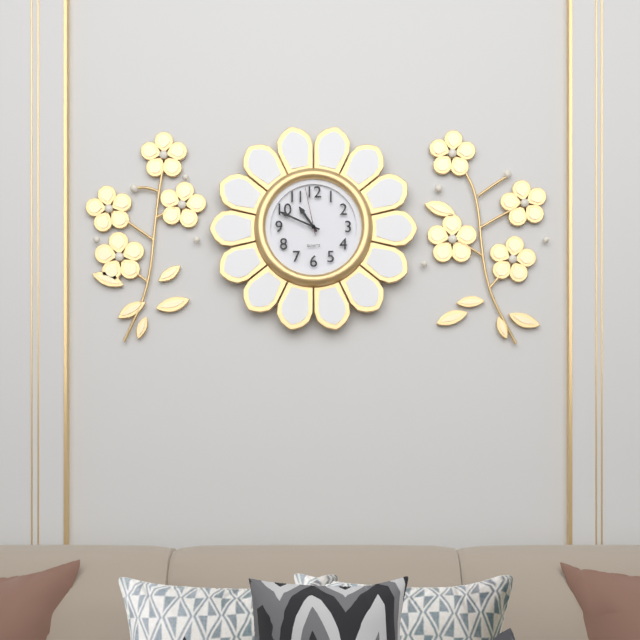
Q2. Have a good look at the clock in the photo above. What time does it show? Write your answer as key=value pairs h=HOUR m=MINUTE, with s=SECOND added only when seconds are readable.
h=10 m=49 s=58
